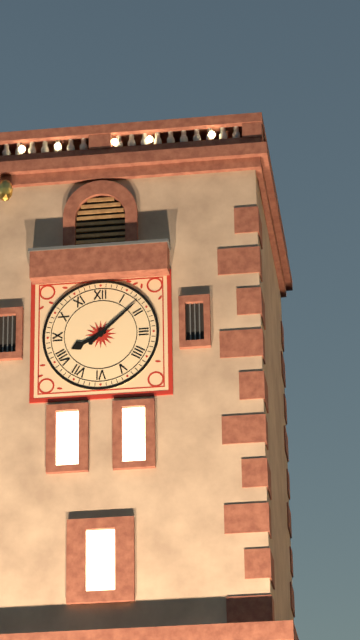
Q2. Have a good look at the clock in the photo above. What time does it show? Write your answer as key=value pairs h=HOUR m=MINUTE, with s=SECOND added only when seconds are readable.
h=8 m=8
